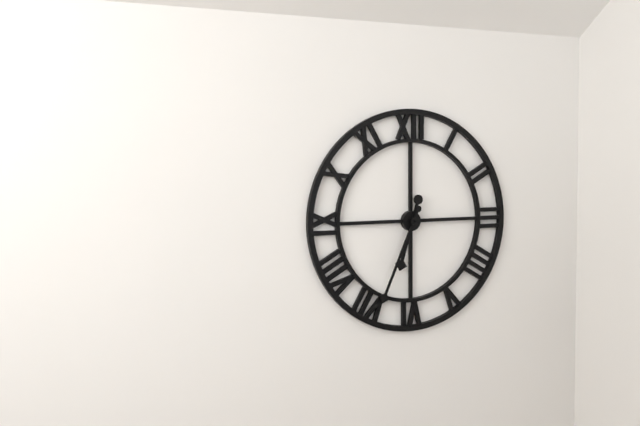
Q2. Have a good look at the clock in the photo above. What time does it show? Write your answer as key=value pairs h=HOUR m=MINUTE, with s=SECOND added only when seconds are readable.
h=6 m=34
